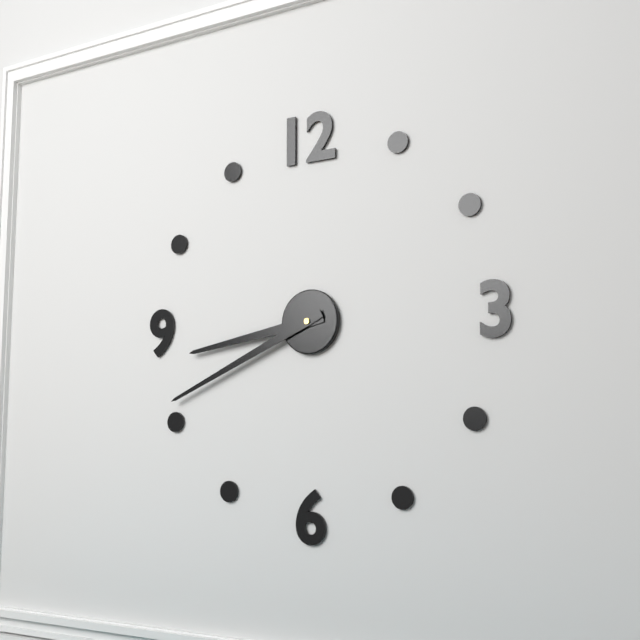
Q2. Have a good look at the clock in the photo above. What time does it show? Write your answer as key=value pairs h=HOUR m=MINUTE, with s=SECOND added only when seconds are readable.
h=8 m=41
